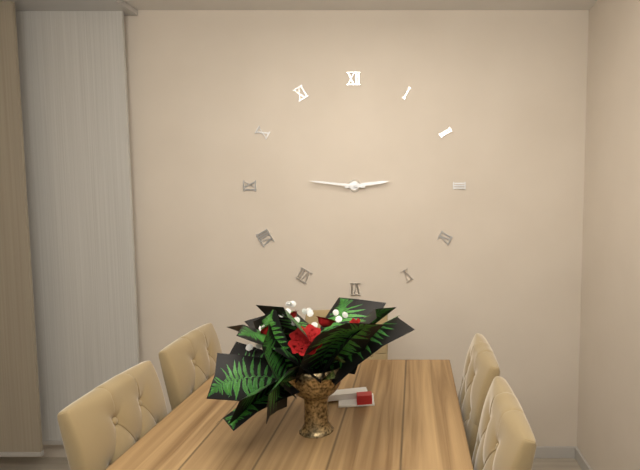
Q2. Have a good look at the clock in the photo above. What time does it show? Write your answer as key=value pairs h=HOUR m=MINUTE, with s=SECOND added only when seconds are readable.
h=2 m=46
